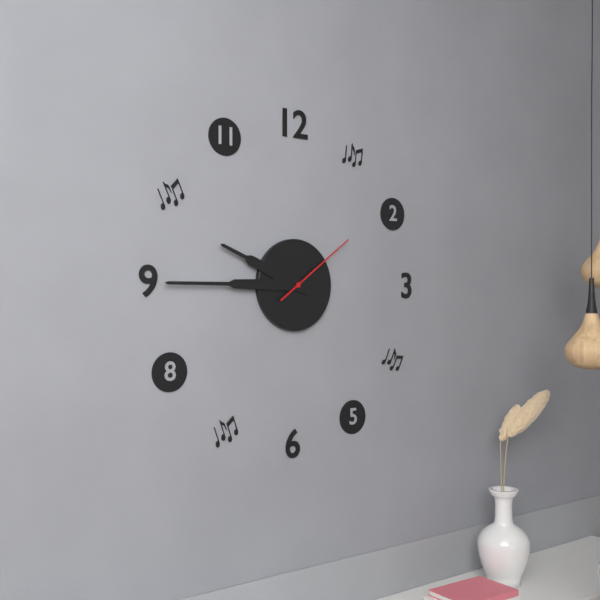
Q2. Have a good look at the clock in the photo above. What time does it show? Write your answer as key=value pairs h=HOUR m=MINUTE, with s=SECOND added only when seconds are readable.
h=9 m=45 s=9
